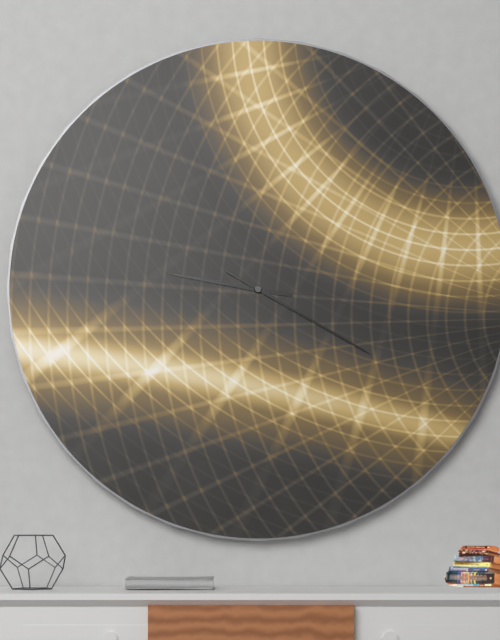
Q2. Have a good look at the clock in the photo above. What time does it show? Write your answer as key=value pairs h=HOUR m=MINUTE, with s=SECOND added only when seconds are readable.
h=9 m=20
